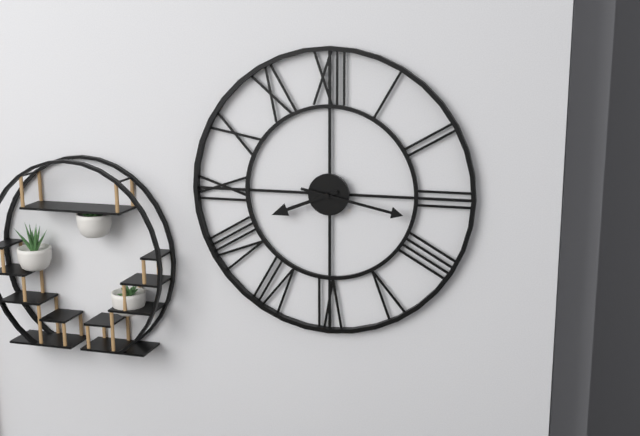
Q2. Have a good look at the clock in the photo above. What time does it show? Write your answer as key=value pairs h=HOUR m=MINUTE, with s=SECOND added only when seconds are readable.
h=8 m=17
